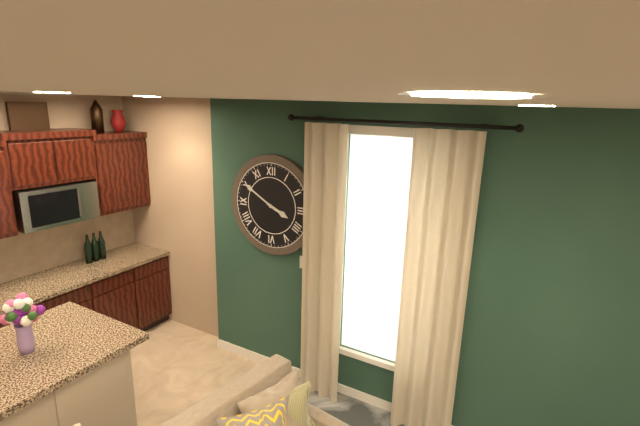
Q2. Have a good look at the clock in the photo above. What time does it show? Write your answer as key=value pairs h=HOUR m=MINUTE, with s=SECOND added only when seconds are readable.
h=3 m=50
